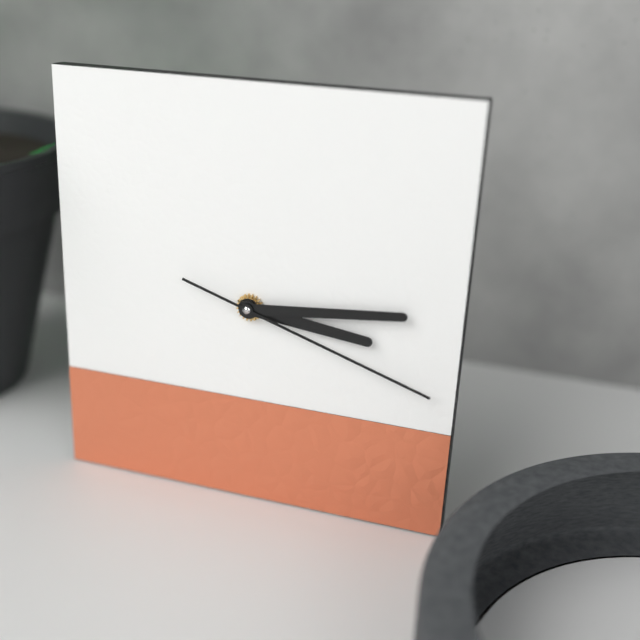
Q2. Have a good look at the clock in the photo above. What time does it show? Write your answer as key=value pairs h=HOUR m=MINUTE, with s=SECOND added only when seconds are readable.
h=3 m=14 s=18
